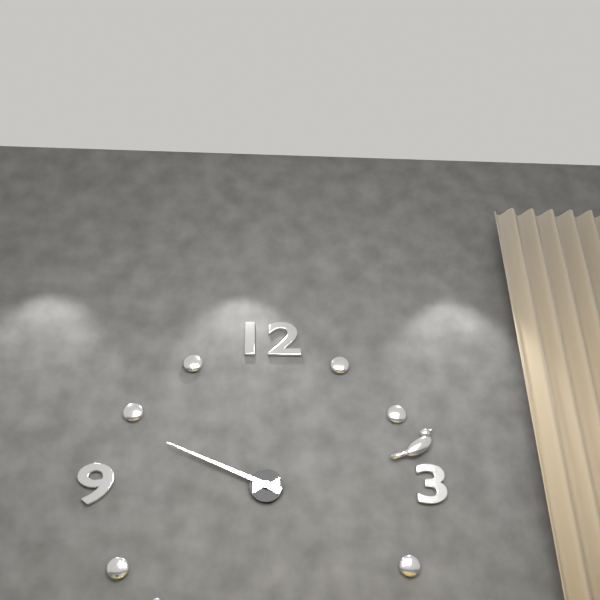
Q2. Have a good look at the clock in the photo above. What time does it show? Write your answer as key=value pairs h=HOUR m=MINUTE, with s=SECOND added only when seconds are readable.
h=9 m=49
